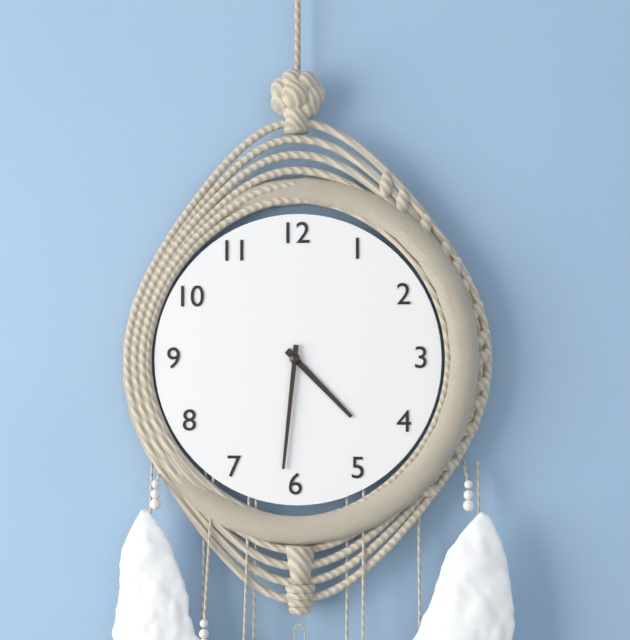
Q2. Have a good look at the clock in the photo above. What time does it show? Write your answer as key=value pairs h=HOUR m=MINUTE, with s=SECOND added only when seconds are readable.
h=4 m=31
